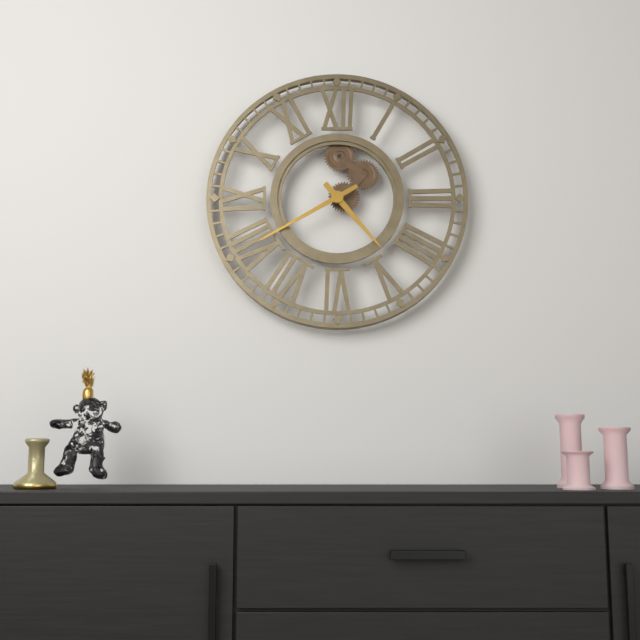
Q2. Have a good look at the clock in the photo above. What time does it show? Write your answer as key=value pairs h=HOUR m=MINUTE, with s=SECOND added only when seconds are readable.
h=4 m=40
